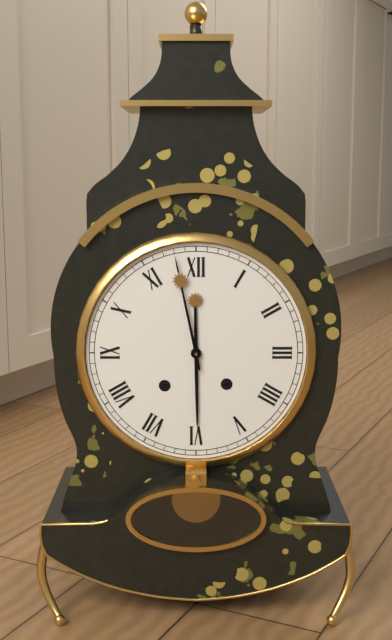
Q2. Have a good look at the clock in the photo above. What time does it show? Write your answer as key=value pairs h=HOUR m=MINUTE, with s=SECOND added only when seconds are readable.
h=5 m=58
